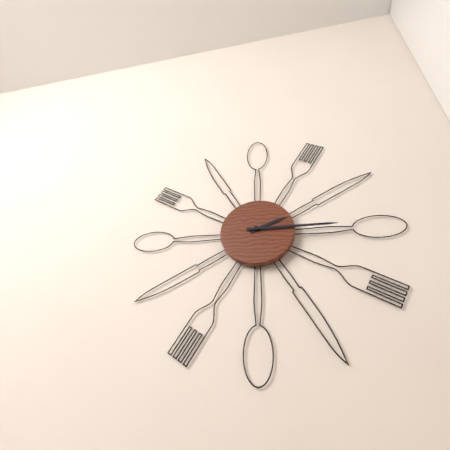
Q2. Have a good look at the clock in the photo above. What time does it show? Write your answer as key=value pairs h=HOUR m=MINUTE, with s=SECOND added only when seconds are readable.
h=2 m=15
